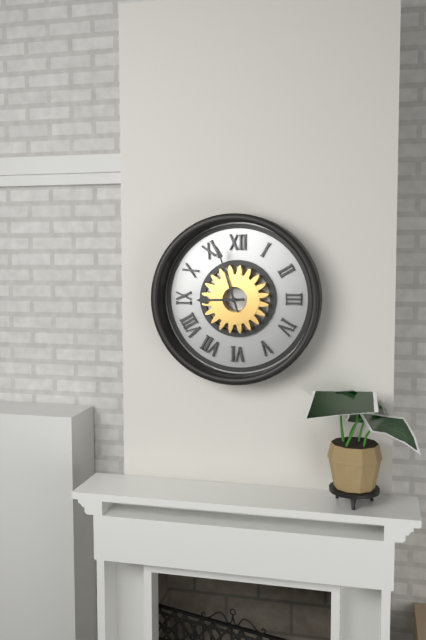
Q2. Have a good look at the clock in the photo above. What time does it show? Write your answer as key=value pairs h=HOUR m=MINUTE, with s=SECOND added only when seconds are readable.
h=8 m=57
